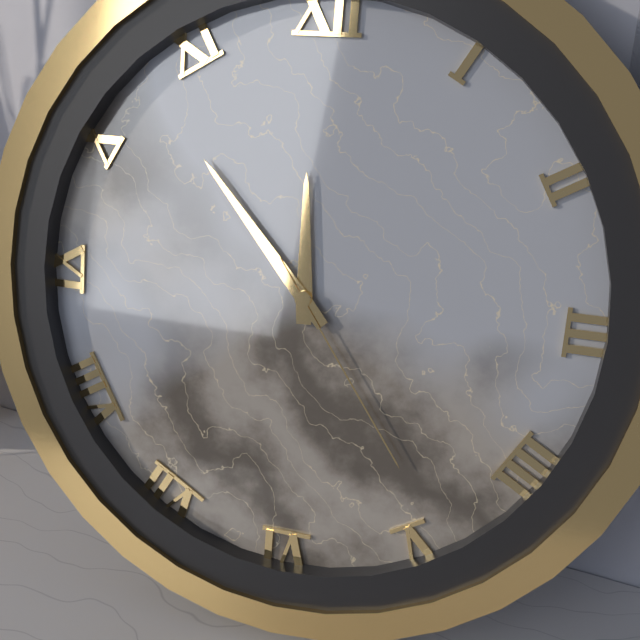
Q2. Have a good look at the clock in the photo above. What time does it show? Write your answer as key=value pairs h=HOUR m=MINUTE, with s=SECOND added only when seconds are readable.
h=11 m=53 s=24
